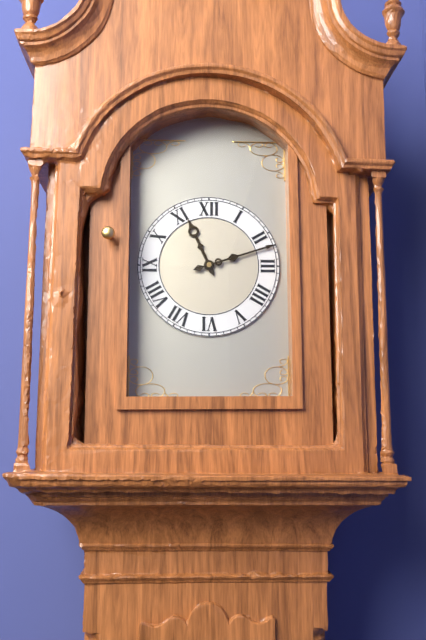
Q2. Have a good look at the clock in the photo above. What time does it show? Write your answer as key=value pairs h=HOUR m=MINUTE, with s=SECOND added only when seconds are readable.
h=11 m=12
